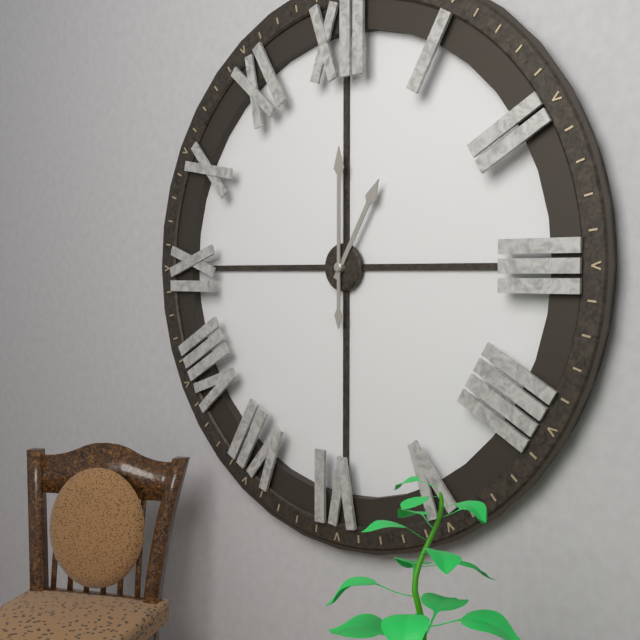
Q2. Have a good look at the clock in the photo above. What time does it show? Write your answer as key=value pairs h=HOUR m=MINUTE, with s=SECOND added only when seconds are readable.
h=1 m=0
